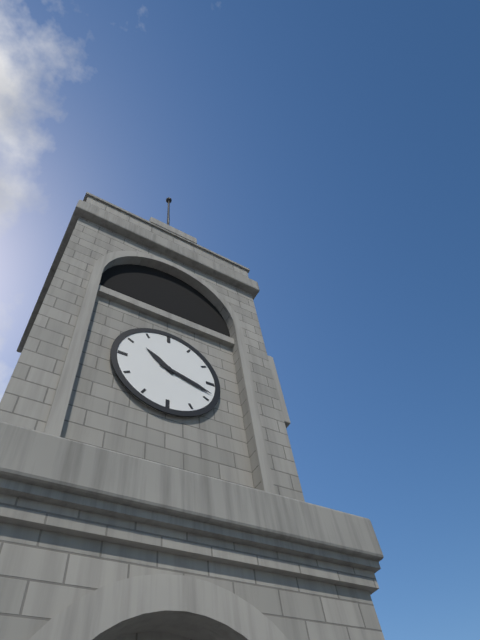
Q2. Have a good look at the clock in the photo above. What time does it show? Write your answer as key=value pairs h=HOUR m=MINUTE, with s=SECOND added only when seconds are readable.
h=10 m=18
